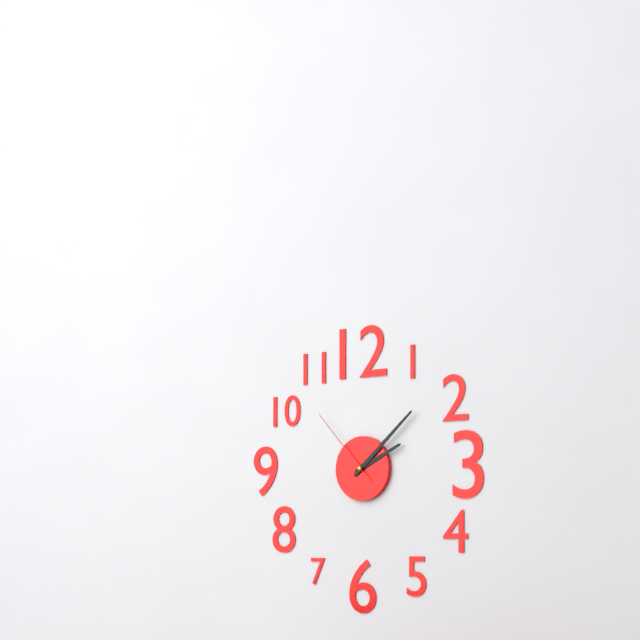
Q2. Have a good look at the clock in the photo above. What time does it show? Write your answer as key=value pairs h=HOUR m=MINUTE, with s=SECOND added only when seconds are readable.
h=2 m=8 s=53
